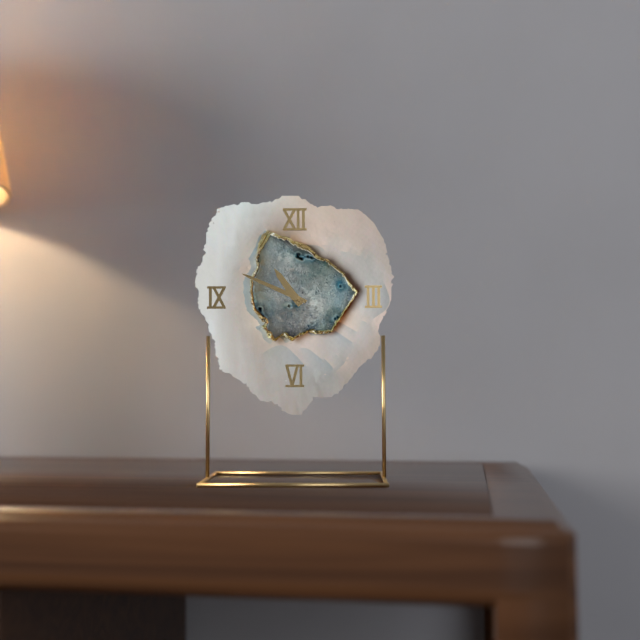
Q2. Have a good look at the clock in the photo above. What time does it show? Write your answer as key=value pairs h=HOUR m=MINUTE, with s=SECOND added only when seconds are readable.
h=10 m=49
